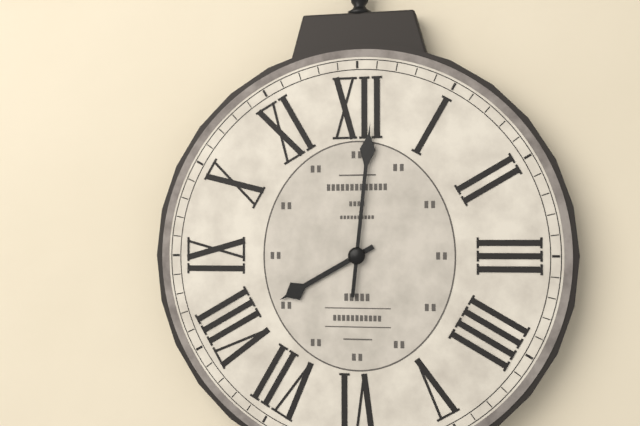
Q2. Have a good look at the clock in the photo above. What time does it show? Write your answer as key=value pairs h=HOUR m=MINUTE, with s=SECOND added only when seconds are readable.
h=8 m=1
